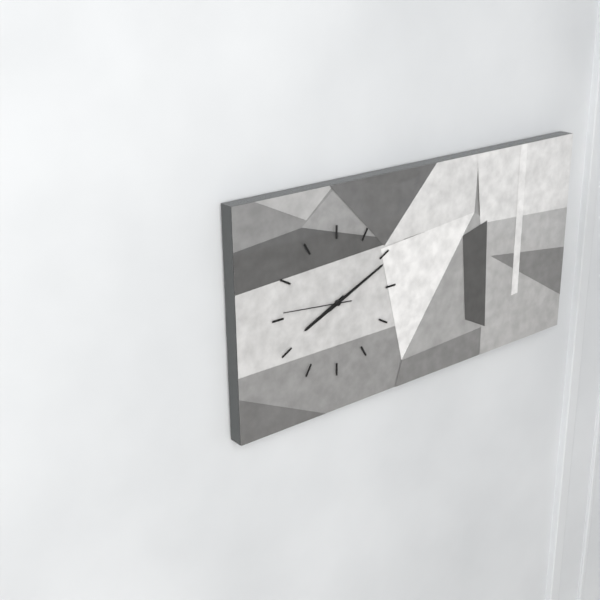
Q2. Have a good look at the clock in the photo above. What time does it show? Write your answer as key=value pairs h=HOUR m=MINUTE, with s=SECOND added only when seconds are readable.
h=8 m=11 s=46
